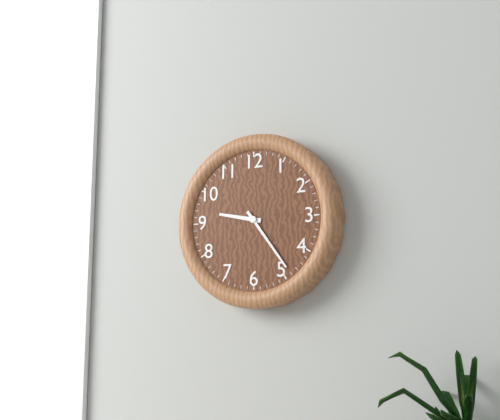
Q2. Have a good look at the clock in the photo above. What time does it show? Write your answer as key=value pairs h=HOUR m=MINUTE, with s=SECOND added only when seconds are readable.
h=9 m=24
